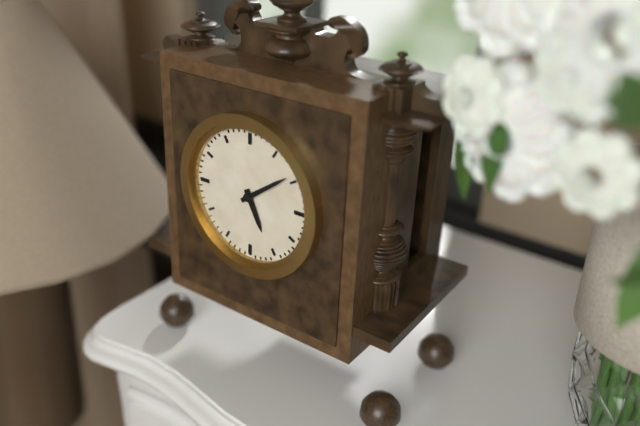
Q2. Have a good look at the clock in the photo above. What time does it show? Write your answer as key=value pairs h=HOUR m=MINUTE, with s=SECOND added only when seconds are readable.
h=5 m=9
